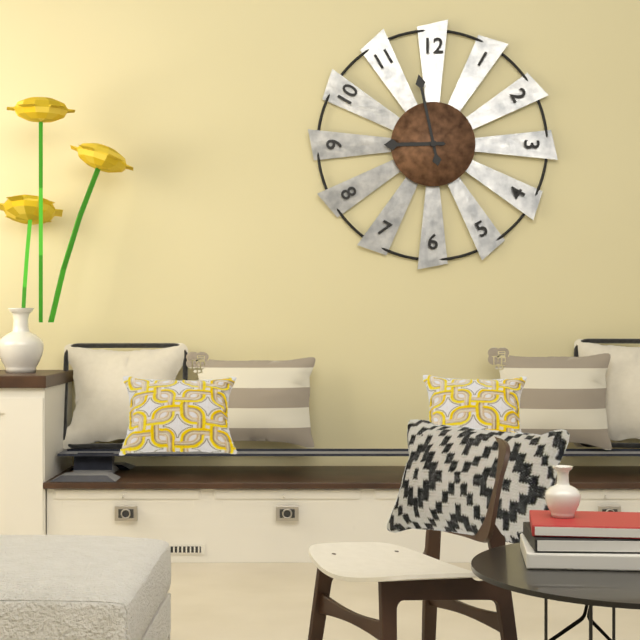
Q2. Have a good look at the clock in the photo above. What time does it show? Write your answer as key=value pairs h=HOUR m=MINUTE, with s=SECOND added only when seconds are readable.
h=8 m=58
